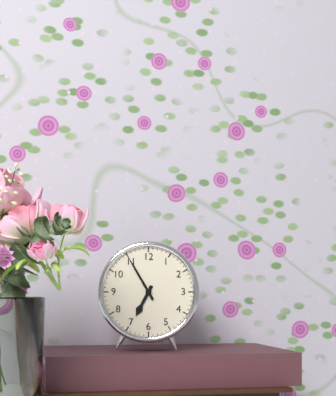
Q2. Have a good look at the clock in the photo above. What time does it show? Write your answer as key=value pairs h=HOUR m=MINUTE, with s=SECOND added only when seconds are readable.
h=6 m=55
